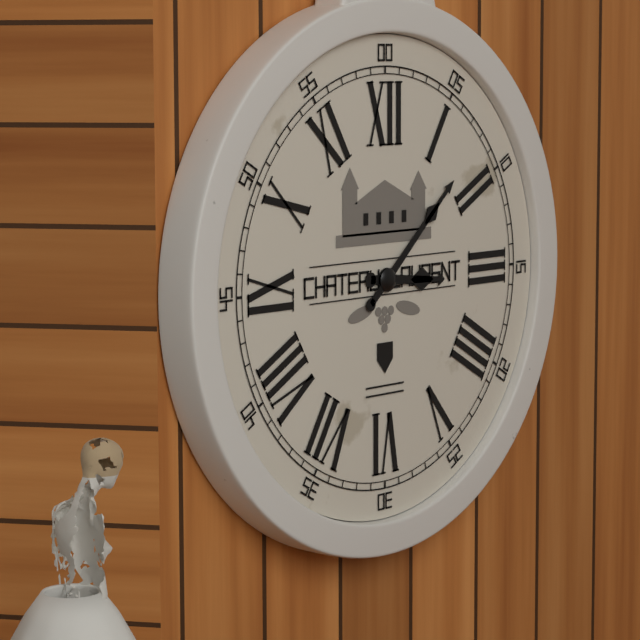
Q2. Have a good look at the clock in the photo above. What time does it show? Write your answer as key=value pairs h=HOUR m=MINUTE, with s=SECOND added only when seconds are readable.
h=3 m=8
